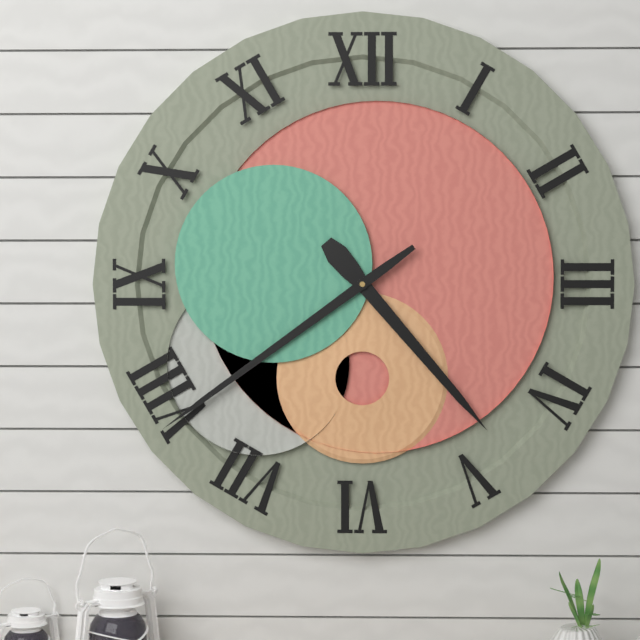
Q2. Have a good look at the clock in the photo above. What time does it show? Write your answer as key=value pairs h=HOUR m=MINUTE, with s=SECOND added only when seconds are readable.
h=4 m=39
